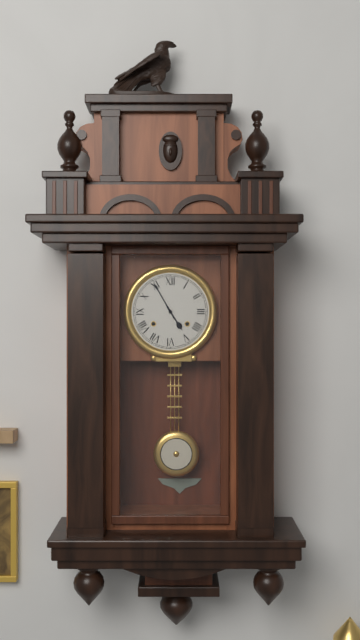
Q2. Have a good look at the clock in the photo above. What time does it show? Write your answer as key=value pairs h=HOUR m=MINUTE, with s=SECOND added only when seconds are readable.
h=4 m=55
